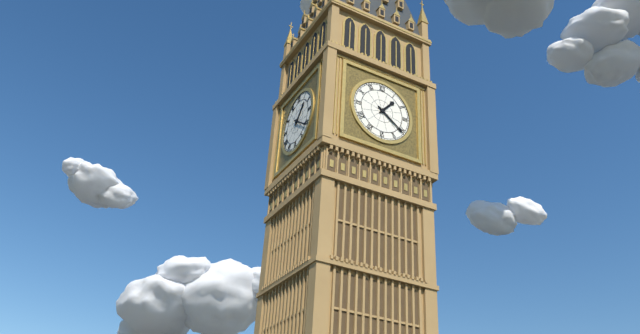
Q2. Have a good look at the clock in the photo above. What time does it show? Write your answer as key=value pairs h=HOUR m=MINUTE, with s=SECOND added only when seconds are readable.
h=1 m=21
